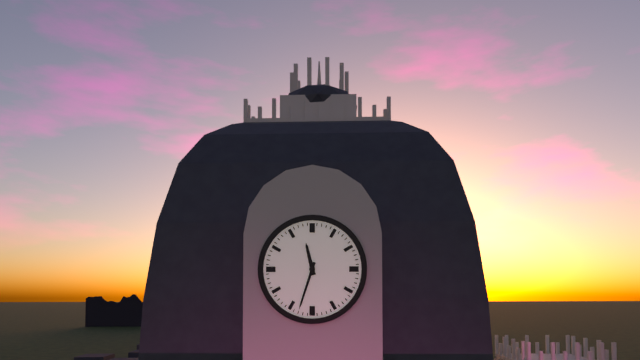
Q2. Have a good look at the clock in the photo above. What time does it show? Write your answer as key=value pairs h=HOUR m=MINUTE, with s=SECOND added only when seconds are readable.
h=11 m=33
